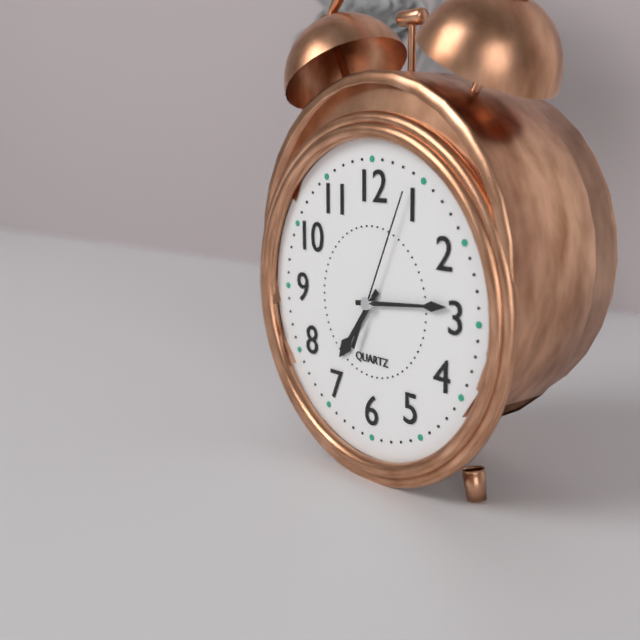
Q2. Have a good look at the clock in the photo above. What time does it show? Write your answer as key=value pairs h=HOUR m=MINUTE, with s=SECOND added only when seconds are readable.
h=7 m=14 s=4
